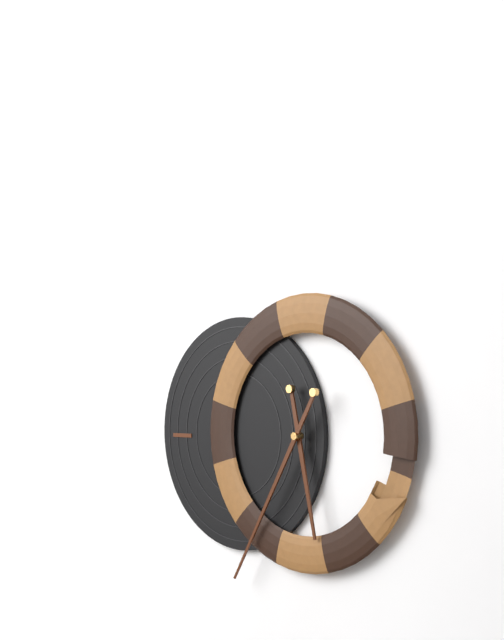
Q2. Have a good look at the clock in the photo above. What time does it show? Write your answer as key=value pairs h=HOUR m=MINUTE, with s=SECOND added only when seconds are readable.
h=5 m=35
